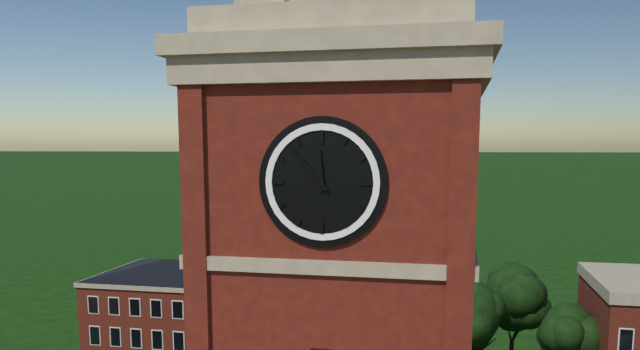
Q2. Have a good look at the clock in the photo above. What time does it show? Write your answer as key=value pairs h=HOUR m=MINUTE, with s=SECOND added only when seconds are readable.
h=11 m=53
